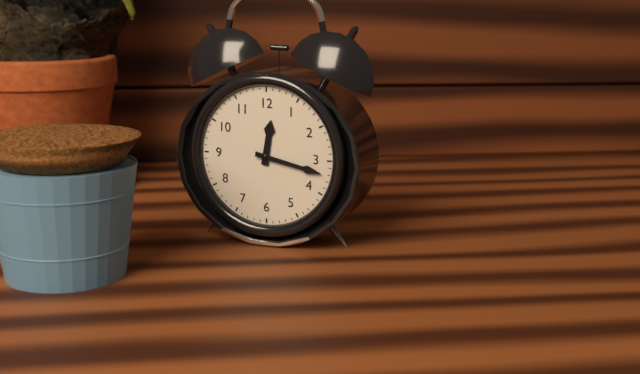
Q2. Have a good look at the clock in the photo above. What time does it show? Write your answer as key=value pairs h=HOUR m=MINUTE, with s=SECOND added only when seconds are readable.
h=12 m=17
